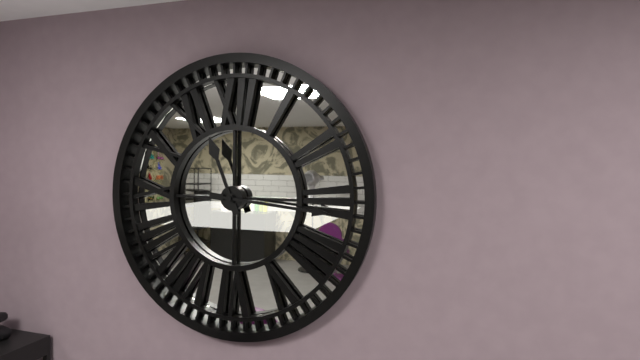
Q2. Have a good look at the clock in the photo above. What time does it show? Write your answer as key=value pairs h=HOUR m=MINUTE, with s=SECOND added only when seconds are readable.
h=11 m=16
